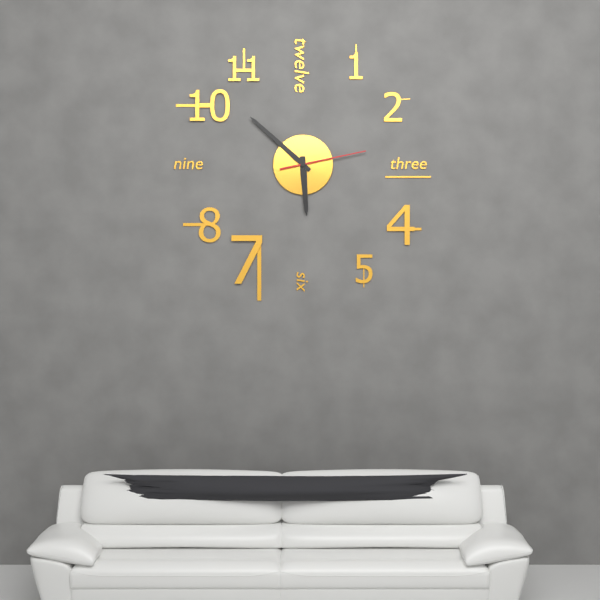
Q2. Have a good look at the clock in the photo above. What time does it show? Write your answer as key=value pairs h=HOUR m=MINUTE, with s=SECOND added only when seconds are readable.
h=5 m=52 s=13
